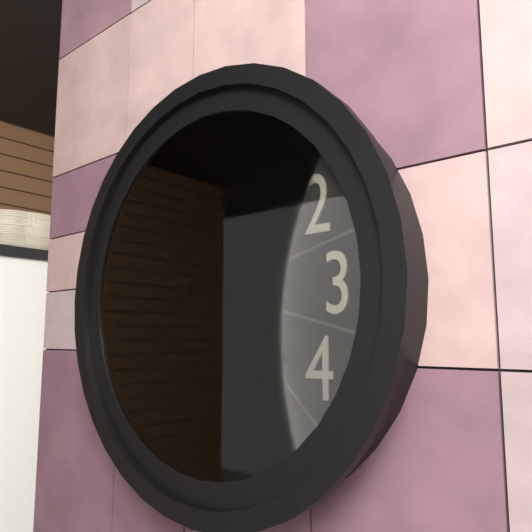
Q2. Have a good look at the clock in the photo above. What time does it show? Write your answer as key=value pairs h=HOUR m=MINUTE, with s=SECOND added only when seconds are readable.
h=9 m=21
